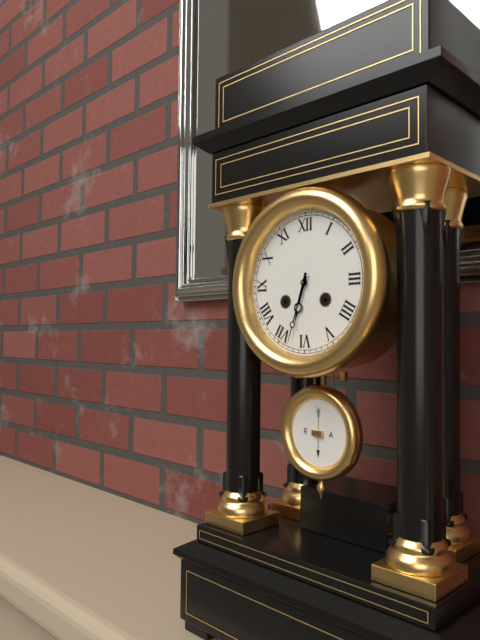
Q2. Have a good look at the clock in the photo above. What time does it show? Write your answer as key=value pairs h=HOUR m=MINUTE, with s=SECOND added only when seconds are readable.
h=6 m=33
